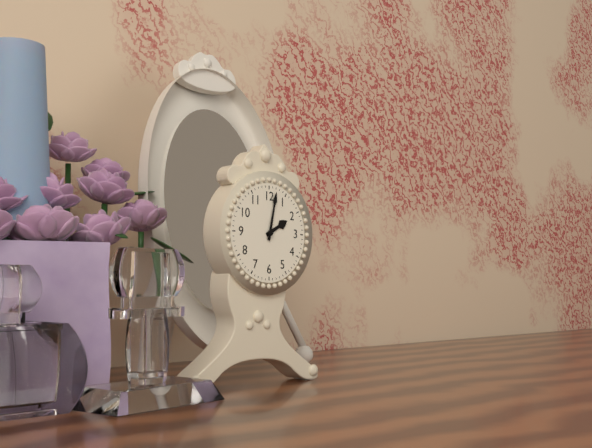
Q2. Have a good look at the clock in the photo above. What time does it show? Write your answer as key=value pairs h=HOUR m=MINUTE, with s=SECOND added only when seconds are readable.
h=2 m=2
